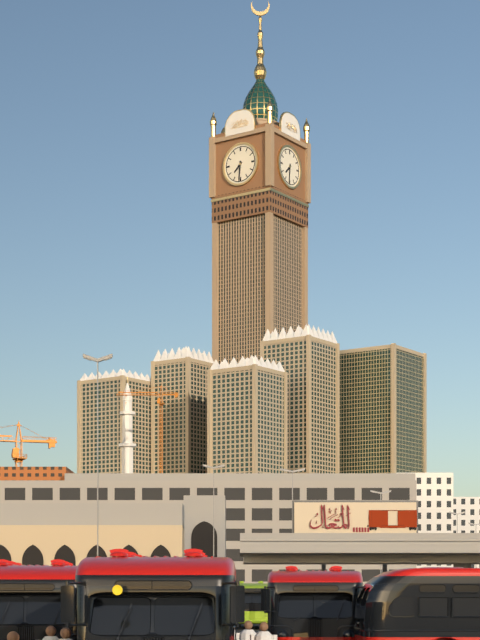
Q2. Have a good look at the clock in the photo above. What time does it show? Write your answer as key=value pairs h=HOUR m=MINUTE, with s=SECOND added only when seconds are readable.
h=7 m=31
